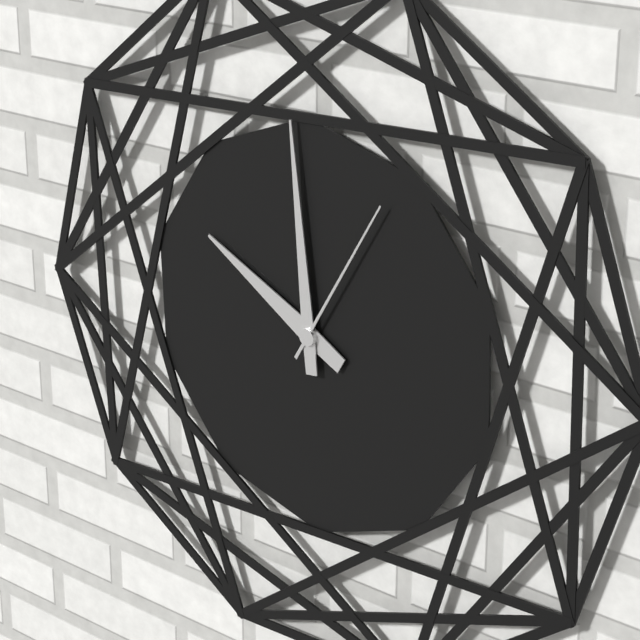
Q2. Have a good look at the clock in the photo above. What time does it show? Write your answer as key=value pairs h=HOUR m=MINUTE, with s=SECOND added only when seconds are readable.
h=9 m=59 s=5
